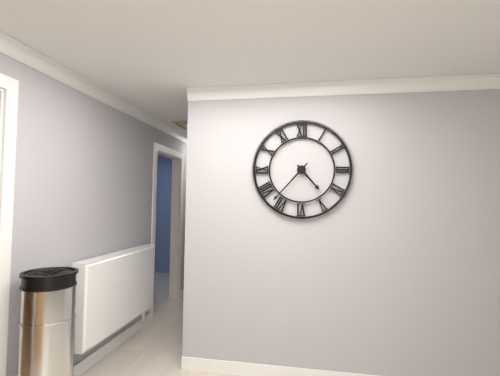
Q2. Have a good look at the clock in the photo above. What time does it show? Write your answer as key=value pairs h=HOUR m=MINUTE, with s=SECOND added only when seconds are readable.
h=4 m=37
